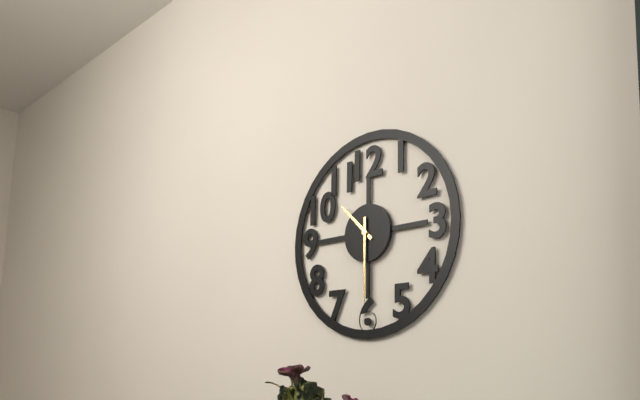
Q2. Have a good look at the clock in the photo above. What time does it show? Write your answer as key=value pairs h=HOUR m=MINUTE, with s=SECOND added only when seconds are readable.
h=10 m=30
